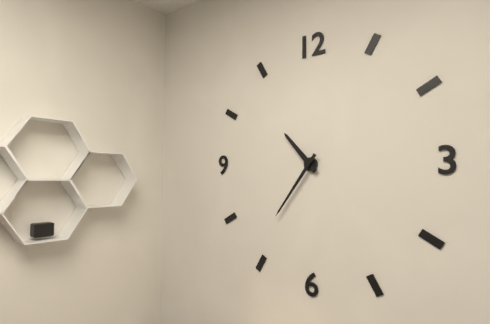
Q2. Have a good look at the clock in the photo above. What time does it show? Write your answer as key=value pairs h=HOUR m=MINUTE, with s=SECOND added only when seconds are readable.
h=10 m=36
